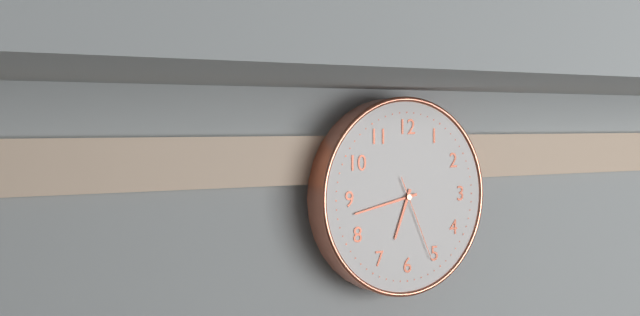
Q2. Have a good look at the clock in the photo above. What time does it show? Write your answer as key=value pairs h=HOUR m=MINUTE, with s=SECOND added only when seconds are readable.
h=6 m=43 s=26
